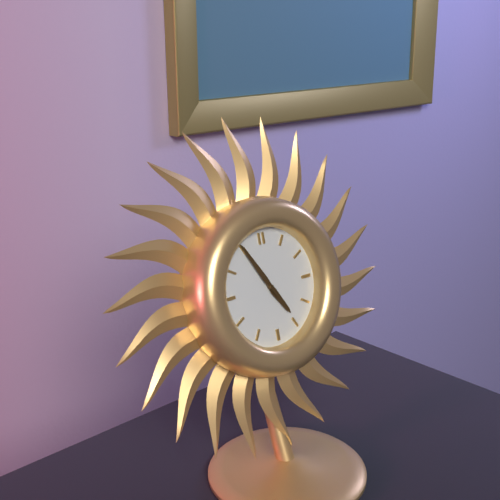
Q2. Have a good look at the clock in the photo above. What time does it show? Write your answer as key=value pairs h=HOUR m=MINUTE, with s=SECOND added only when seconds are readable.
h=4 m=55
